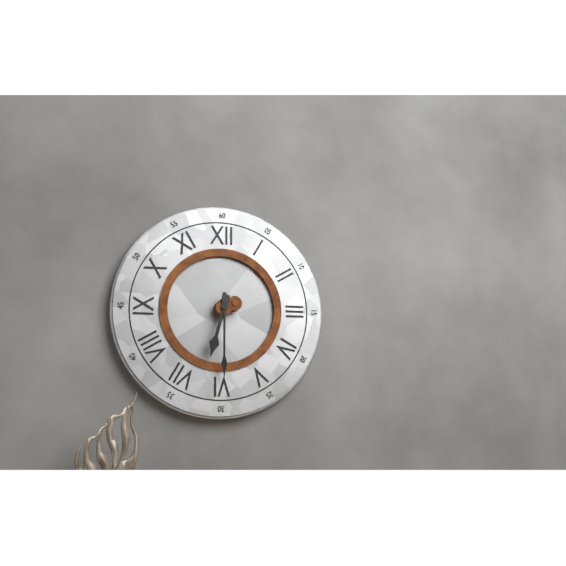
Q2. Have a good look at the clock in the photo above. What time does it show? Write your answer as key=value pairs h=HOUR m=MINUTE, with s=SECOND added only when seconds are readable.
h=6 m=30
